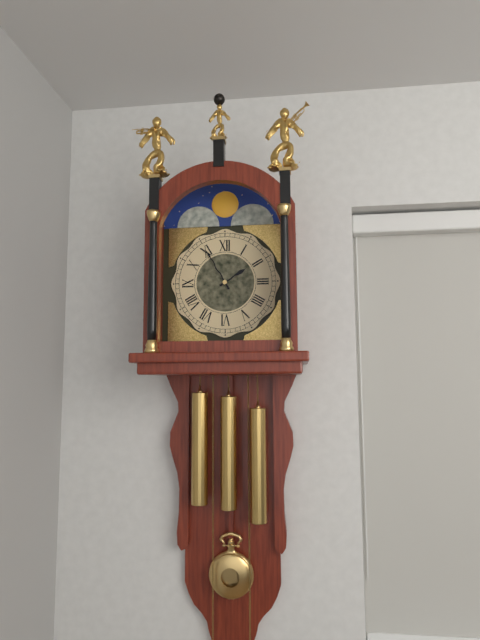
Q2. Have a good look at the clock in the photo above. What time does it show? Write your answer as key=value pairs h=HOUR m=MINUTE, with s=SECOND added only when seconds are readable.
h=1 m=55
